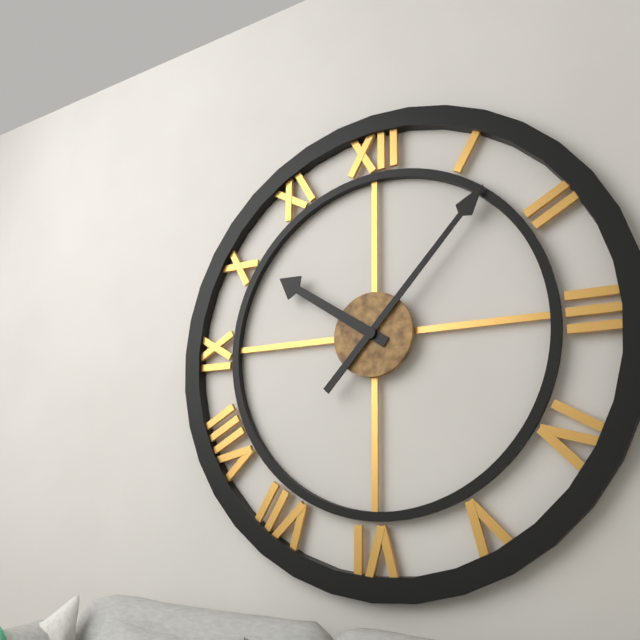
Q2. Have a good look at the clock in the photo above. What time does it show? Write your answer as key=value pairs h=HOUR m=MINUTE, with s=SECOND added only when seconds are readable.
h=10 m=7
